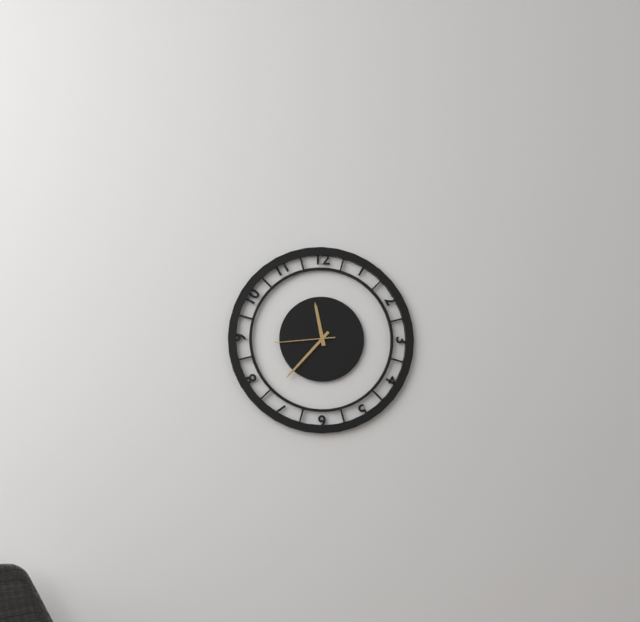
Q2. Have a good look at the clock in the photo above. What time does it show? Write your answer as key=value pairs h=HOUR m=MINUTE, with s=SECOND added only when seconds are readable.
h=11 m=37 s=44
